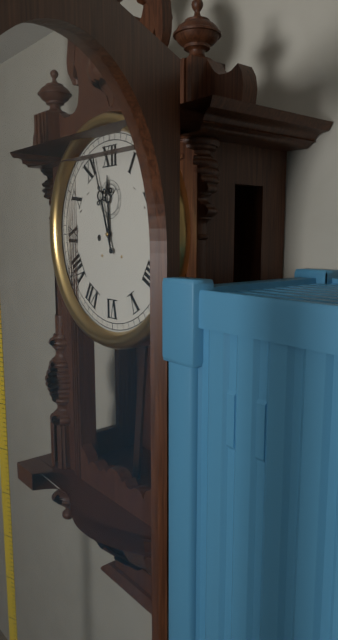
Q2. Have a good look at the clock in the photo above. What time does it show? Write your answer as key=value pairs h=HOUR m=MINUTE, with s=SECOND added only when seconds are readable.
h=11 m=57
